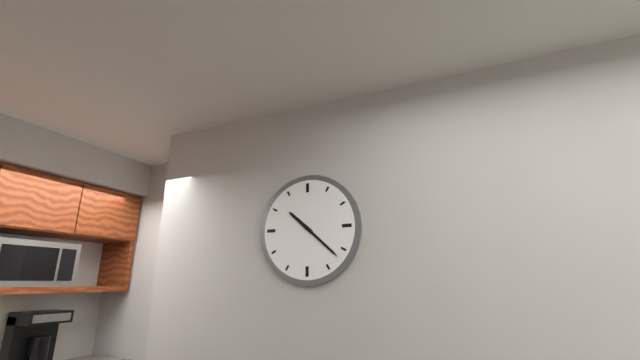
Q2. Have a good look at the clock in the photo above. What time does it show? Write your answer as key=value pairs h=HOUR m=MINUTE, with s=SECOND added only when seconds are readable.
h=10 m=22
